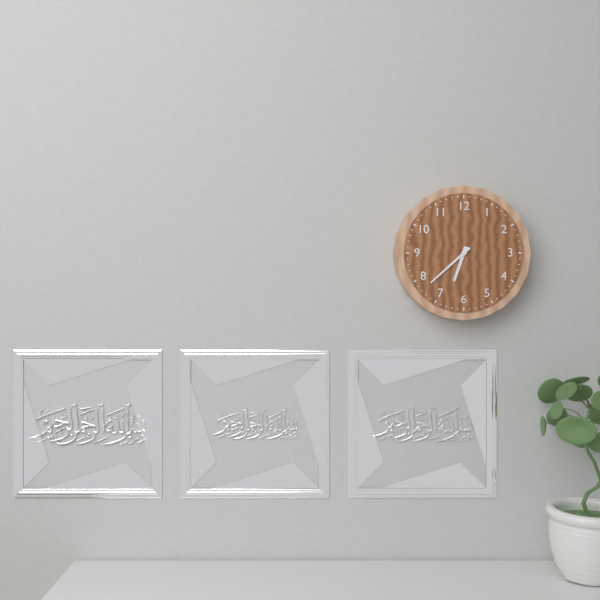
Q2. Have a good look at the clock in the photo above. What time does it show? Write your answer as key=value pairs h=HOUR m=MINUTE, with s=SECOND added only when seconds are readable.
h=6 m=38
